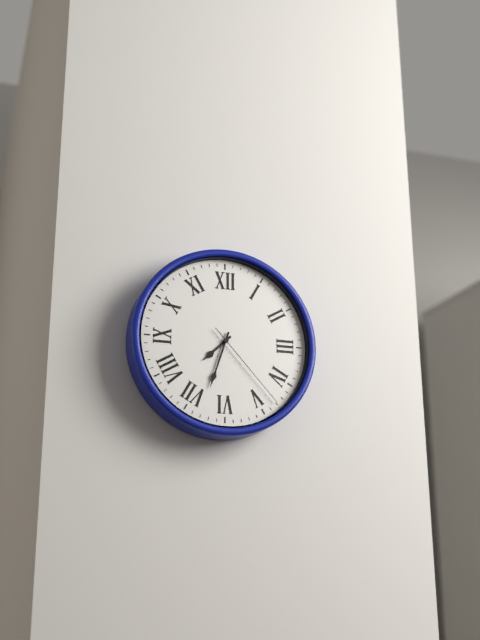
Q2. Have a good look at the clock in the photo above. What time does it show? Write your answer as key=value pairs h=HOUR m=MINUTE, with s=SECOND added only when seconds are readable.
h=7 m=33 s=23
